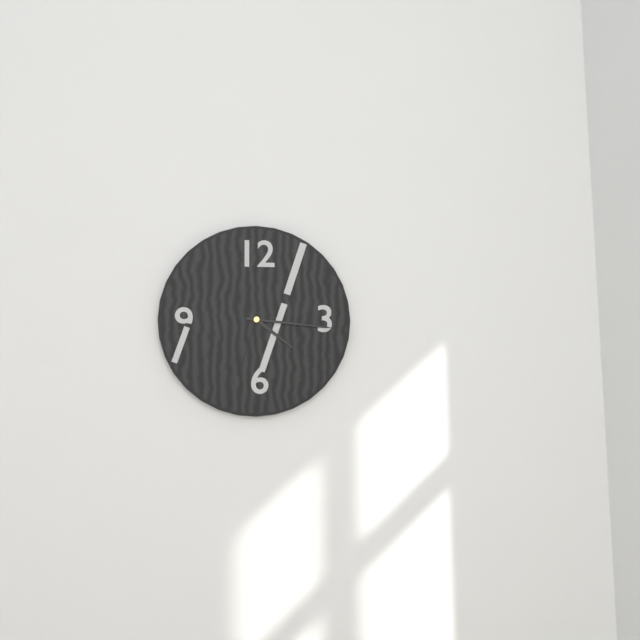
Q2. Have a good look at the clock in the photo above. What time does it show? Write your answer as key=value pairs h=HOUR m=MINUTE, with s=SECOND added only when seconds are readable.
h=4 m=16 s=33
